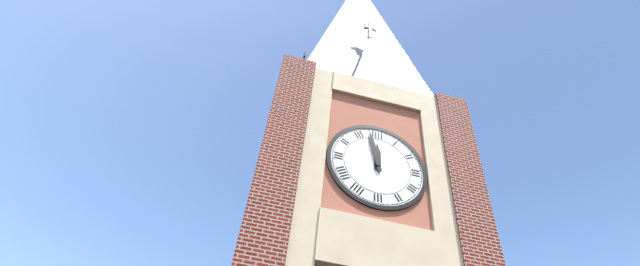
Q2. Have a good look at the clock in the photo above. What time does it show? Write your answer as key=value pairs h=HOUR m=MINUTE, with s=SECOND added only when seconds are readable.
h=11 m=58
